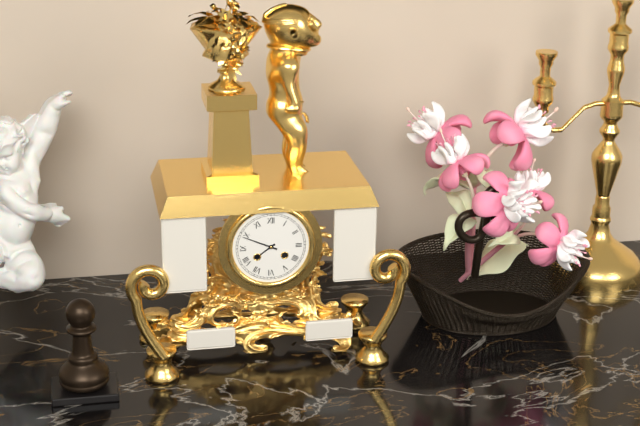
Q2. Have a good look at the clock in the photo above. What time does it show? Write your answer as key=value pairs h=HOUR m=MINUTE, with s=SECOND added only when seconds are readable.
h=7 m=49
